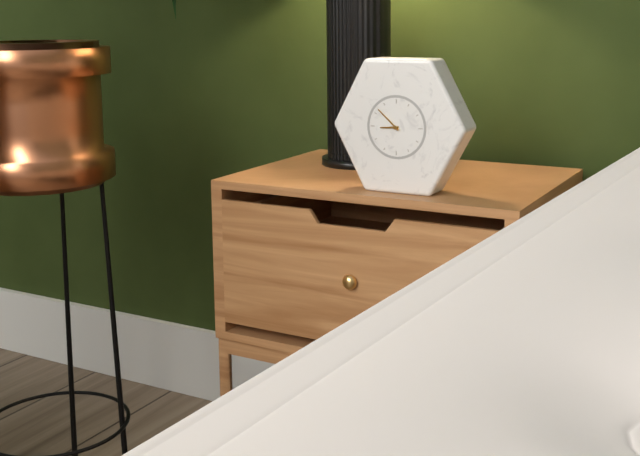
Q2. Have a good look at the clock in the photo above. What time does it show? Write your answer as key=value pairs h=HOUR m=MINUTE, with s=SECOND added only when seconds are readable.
h=8 m=52
